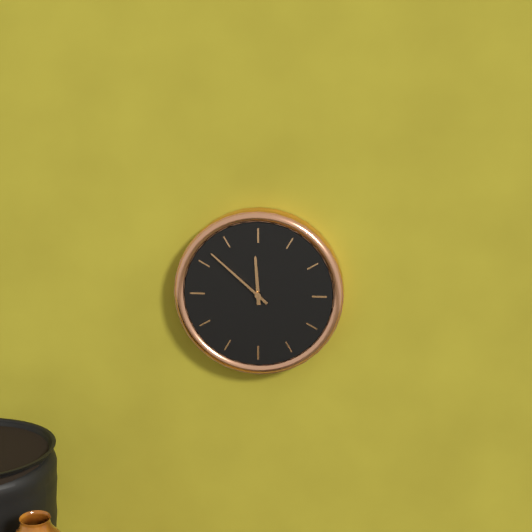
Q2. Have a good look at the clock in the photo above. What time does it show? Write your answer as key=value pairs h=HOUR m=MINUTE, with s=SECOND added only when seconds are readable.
h=11 m=52
